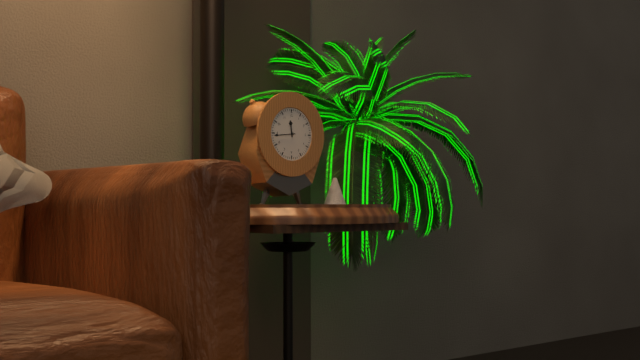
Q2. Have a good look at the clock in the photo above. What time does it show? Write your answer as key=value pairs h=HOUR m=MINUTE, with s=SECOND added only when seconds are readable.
h=11 m=44
